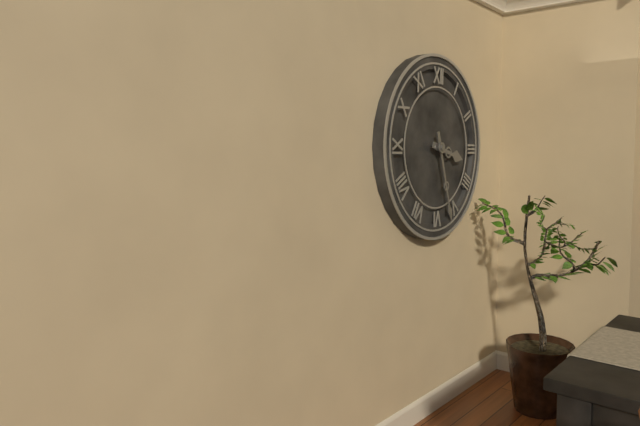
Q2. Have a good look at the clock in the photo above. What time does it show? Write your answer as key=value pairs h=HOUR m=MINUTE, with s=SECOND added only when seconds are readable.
h=3 m=27
